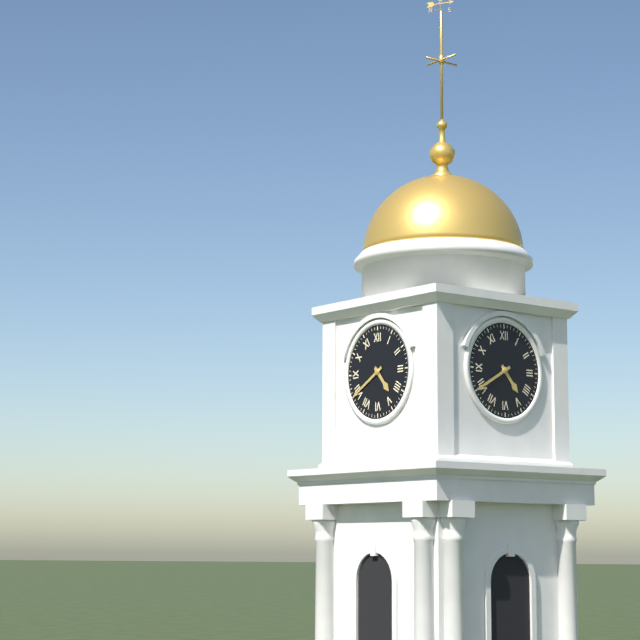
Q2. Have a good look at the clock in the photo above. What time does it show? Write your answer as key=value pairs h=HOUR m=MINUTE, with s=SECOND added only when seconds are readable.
h=4 m=40
